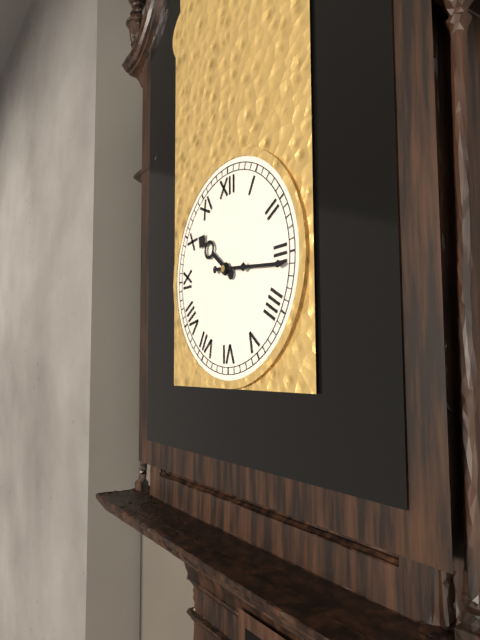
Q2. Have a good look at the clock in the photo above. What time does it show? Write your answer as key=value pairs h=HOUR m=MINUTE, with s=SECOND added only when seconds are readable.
h=10 m=16
